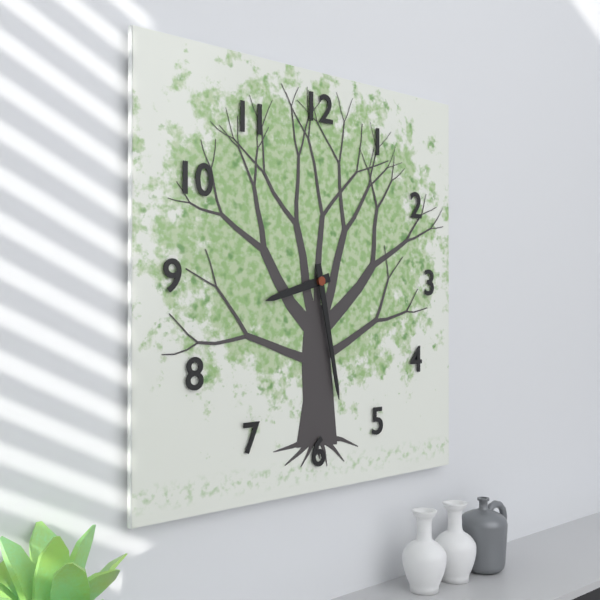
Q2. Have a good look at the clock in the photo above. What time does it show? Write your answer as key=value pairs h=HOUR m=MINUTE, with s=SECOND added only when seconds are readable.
h=8 m=28
